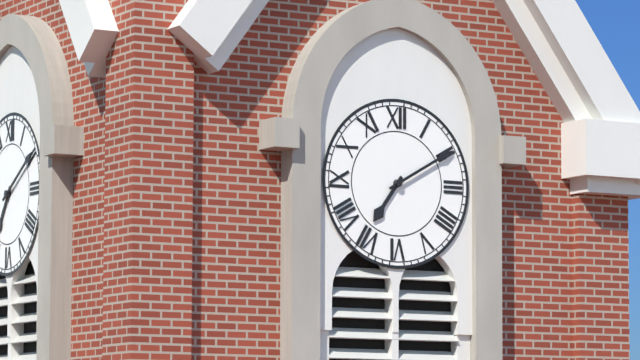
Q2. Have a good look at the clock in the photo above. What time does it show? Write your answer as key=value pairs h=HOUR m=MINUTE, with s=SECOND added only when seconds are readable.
h=7 m=10
